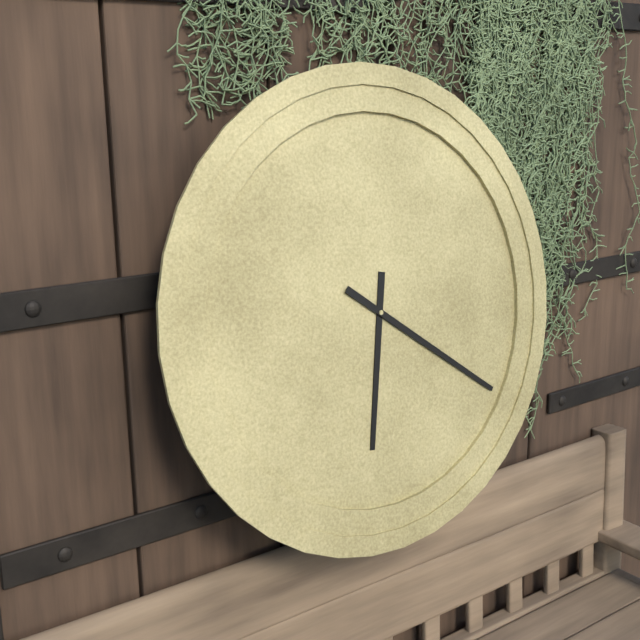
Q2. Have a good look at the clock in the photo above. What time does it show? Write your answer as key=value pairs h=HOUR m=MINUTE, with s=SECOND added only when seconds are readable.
h=6 m=21
